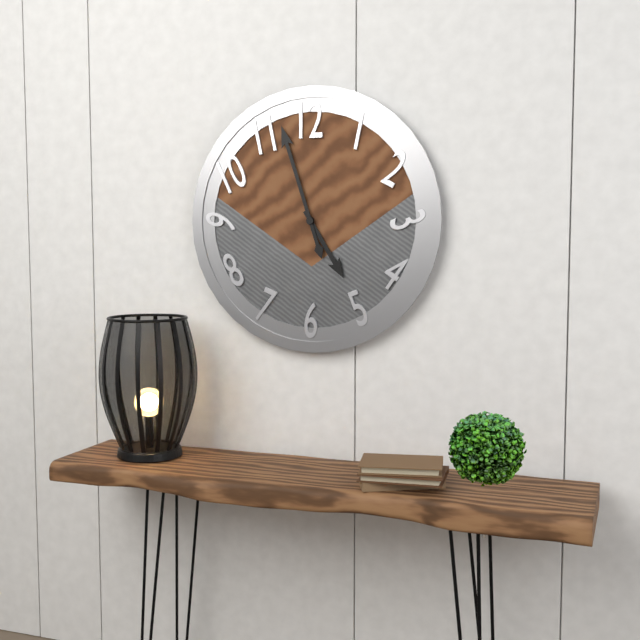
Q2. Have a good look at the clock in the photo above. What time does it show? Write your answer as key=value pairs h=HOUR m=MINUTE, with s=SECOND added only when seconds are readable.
h=4 m=57
